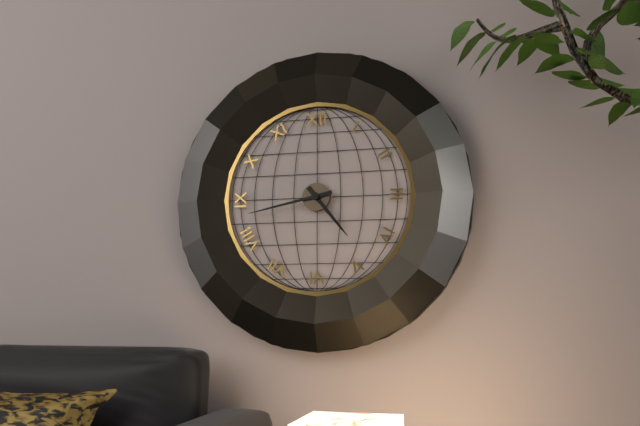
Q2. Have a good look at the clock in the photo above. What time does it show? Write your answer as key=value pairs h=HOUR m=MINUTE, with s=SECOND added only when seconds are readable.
h=4 m=43
